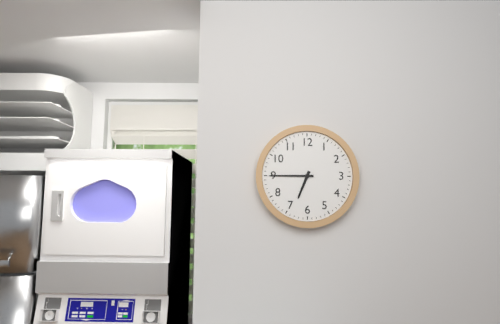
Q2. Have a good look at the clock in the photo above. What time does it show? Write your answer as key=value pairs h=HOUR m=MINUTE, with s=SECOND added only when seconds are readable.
h=6 m=45
